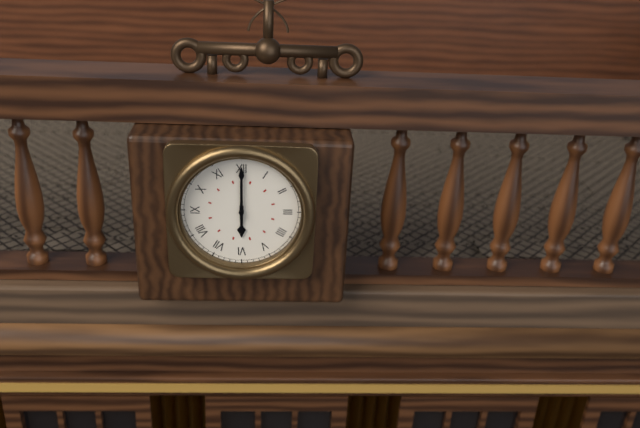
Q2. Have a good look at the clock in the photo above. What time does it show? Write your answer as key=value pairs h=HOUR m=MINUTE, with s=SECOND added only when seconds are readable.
h=6 m=0
